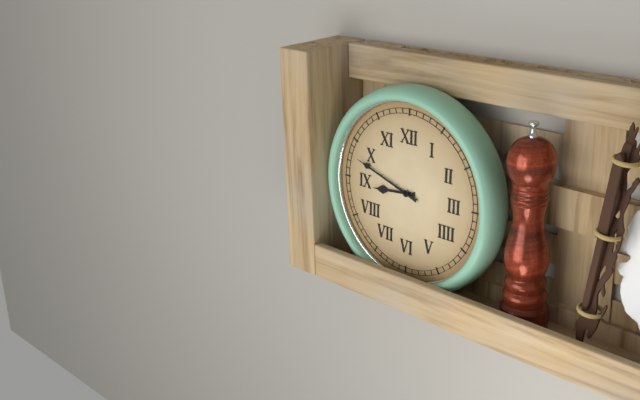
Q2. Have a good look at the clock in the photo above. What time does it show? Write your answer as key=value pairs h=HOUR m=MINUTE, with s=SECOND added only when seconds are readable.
h=8 m=48
